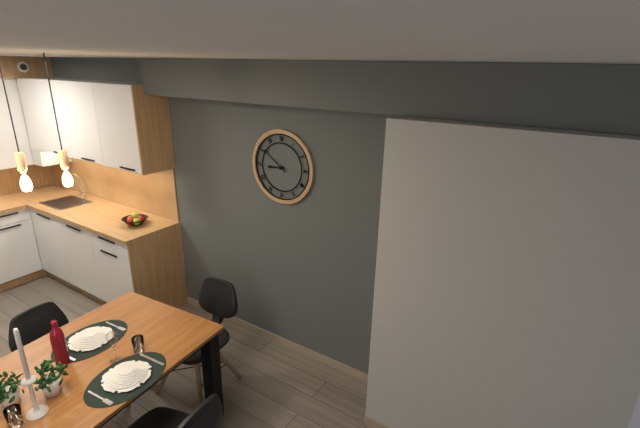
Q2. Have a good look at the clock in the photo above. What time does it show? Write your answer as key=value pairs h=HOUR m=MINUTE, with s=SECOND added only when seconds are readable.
h=8 m=51
